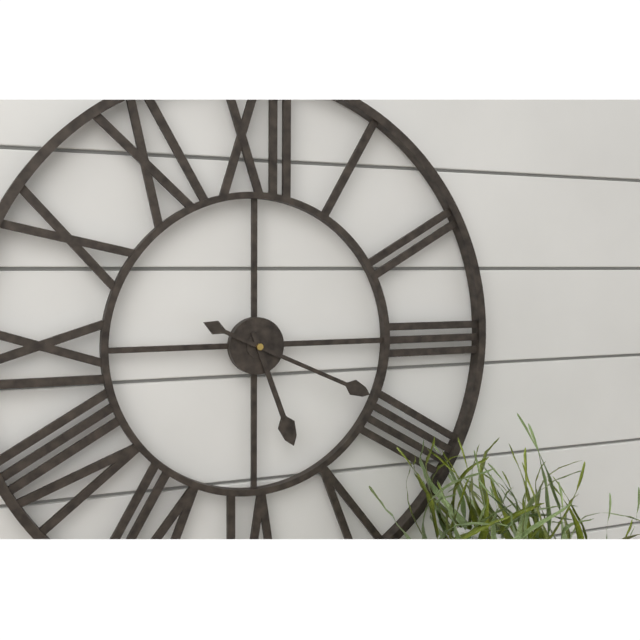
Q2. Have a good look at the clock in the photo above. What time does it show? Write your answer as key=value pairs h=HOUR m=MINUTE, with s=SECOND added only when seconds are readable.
h=5 m=19
